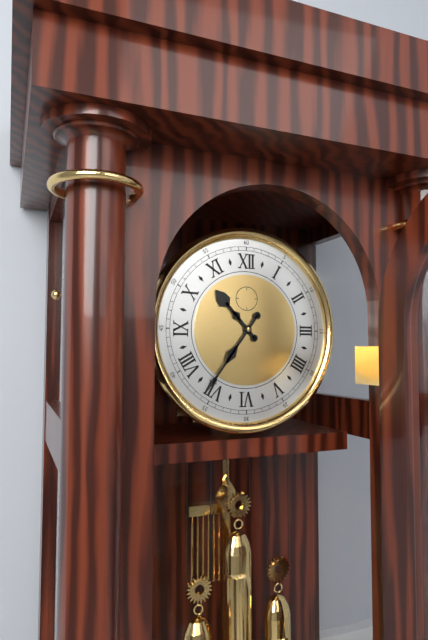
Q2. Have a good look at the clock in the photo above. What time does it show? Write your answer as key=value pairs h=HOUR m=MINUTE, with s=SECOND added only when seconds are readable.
h=10 m=36
